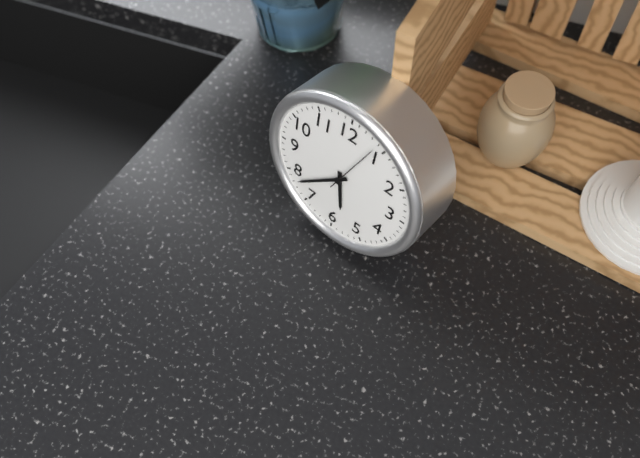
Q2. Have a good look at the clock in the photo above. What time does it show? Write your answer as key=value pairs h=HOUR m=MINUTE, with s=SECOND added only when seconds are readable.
h=5 m=38 s=4
